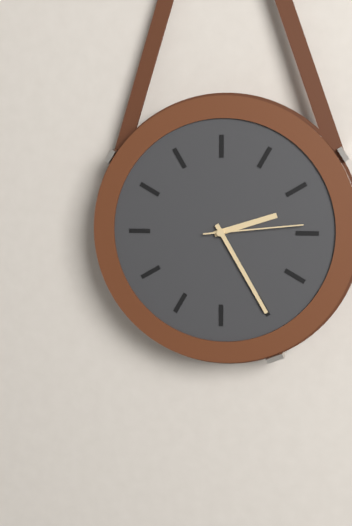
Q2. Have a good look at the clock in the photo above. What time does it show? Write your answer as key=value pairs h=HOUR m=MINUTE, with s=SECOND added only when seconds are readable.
h=2 m=25 s=14
